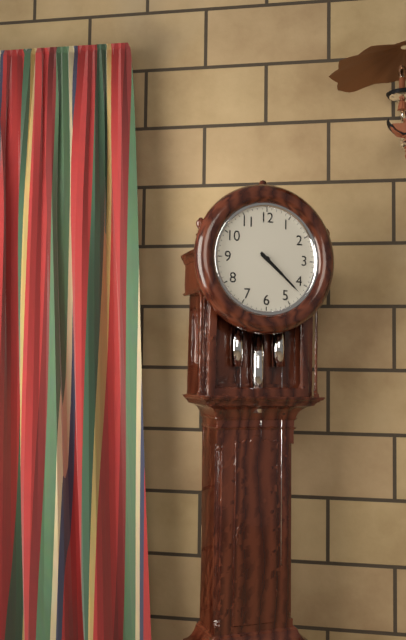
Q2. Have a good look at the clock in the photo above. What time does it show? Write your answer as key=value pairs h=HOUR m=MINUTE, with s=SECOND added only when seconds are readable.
h=4 m=22
